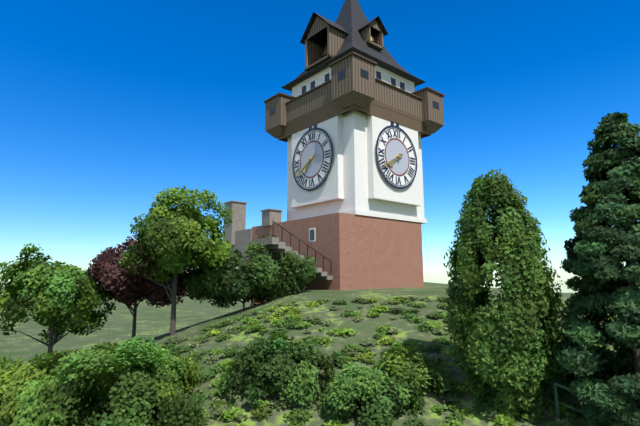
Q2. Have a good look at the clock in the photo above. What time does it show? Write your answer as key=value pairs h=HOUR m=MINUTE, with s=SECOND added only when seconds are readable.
h=7 m=40
